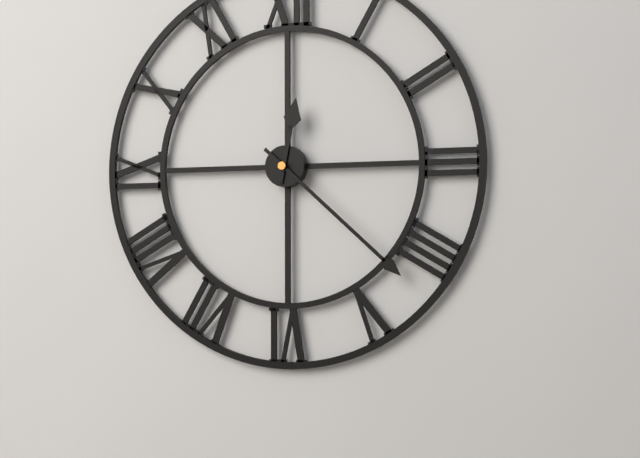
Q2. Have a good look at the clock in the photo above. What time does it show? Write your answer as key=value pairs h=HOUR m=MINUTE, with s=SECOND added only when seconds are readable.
h=12 m=22
